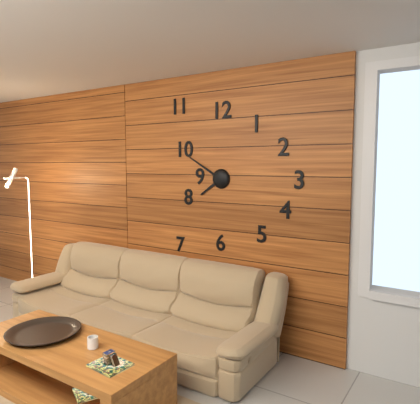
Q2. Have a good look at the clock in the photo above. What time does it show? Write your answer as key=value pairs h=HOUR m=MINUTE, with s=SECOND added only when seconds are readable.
h=7 m=50
